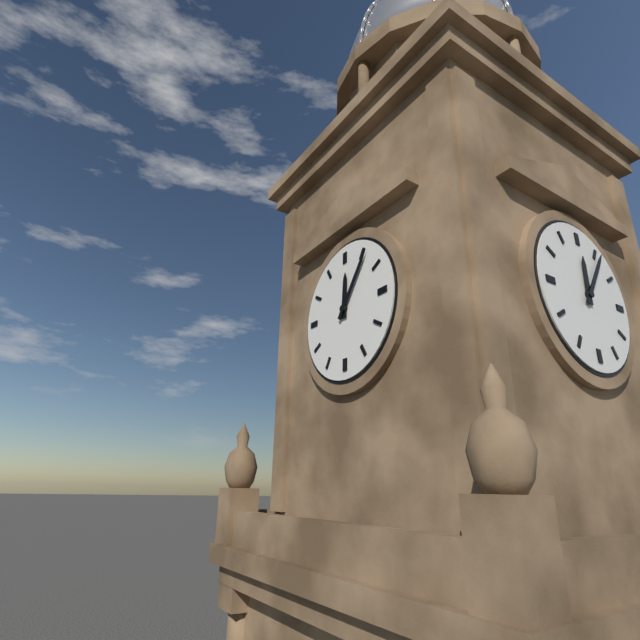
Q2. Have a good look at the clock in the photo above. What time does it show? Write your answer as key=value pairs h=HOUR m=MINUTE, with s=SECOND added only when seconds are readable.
h=12 m=6
